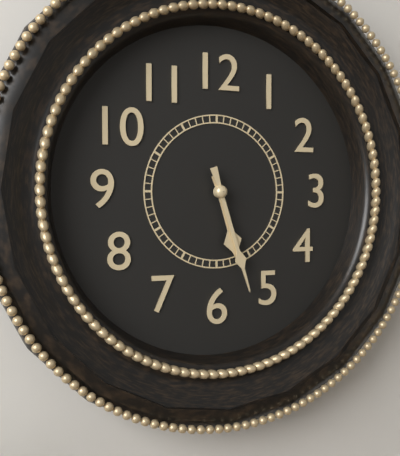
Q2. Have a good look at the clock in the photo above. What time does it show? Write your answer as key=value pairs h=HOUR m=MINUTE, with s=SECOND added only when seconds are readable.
h=5 m=27
